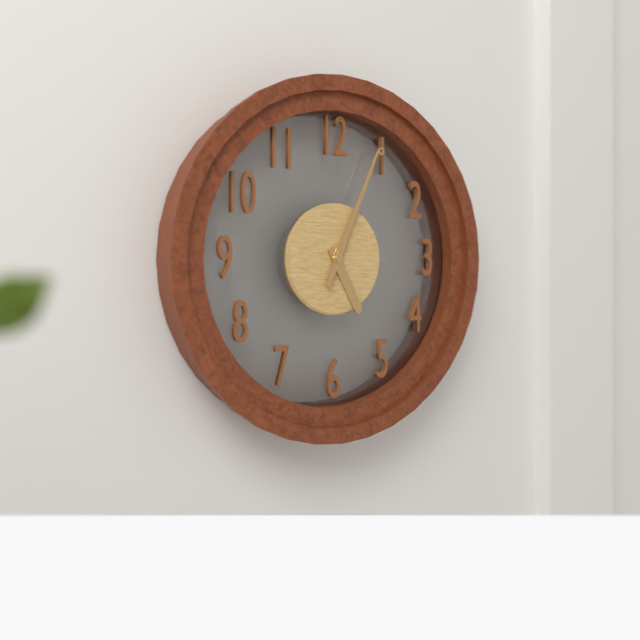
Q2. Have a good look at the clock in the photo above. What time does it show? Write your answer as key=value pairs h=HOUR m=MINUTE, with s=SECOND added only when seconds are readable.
h=5 m=4
